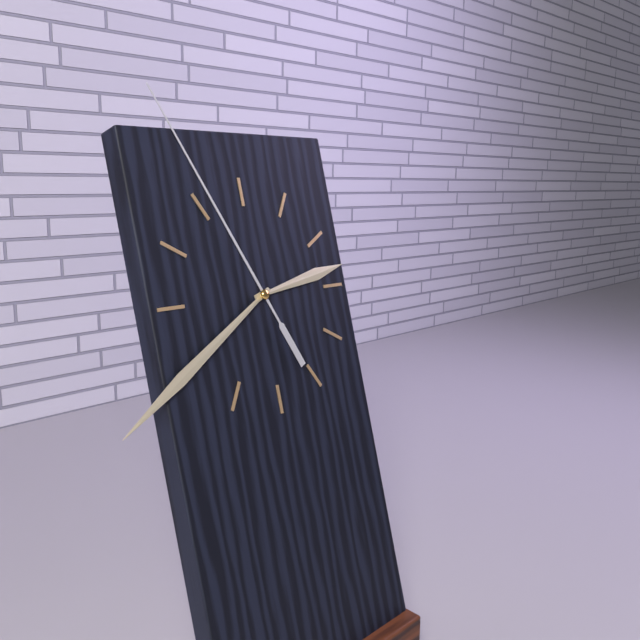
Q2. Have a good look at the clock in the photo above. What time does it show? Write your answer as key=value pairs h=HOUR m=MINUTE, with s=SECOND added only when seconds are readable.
h=2 m=40 s=56
